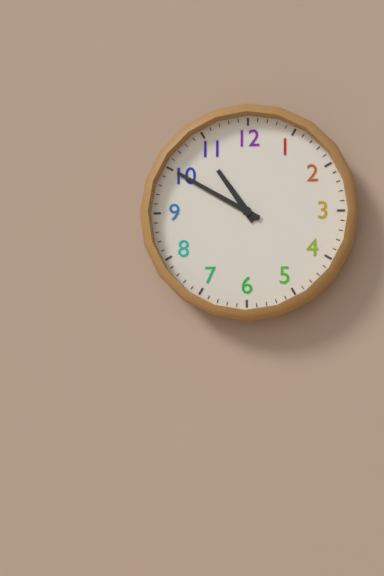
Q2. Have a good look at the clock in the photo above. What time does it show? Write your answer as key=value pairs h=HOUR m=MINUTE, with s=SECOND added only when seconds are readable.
h=10 m=50
